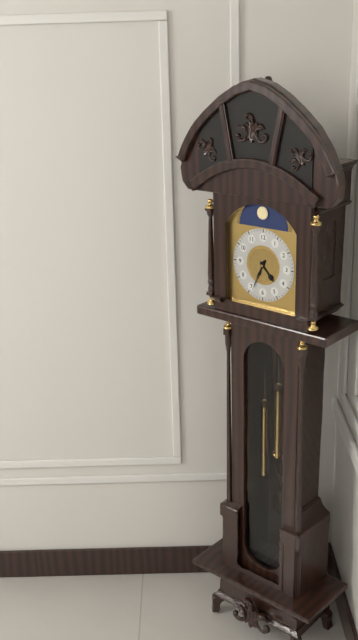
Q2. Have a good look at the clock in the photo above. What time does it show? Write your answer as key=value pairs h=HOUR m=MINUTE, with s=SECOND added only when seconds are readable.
h=4 m=34
